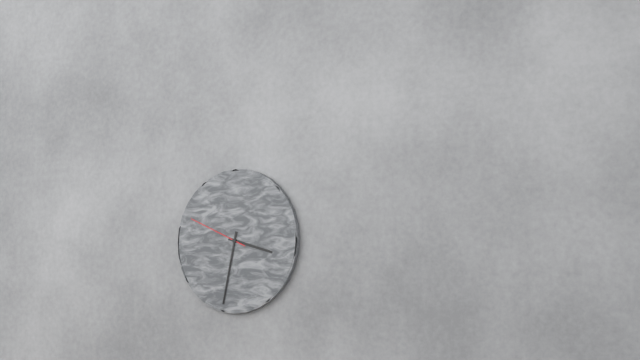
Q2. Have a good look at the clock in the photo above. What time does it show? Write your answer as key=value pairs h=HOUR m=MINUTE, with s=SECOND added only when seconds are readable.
h=3 m=32 s=49
